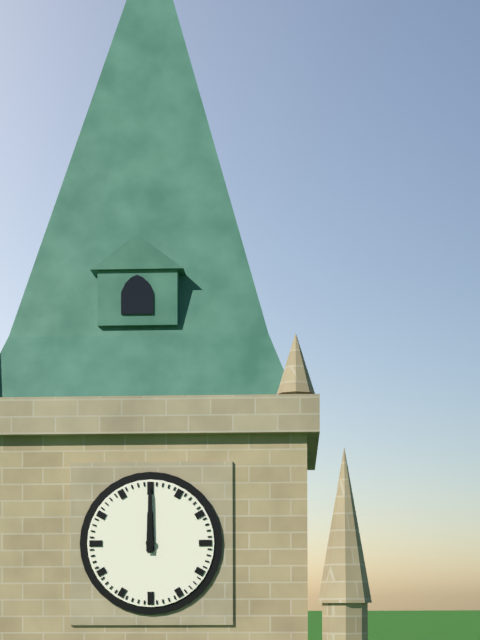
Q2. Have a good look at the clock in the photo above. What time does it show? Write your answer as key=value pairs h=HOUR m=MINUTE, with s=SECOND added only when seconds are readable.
h=12 m=0
